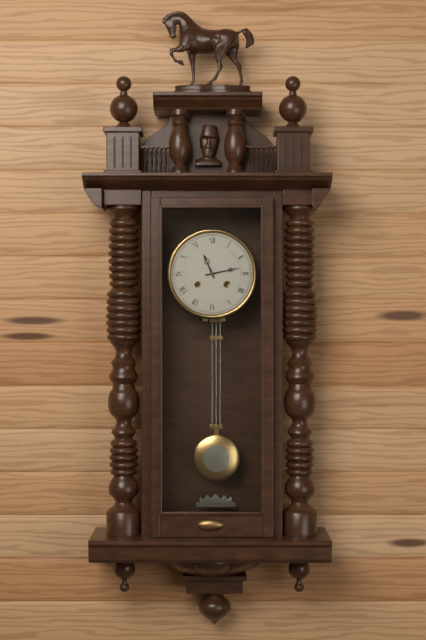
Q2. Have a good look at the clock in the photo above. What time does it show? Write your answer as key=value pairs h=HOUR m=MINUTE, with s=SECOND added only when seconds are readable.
h=11 m=13
